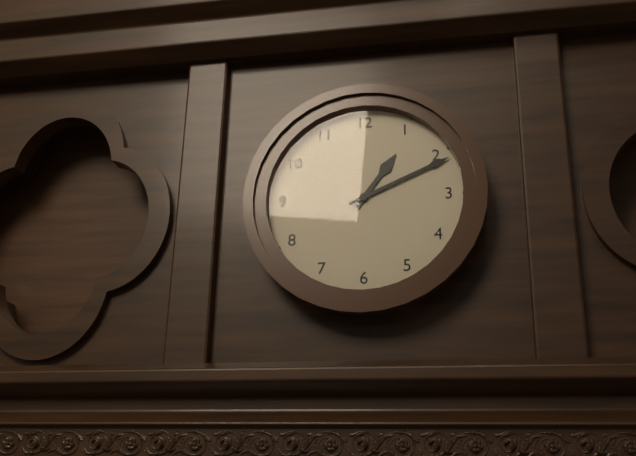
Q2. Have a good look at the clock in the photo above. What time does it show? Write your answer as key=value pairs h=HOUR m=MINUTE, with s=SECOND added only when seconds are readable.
h=1 m=11
